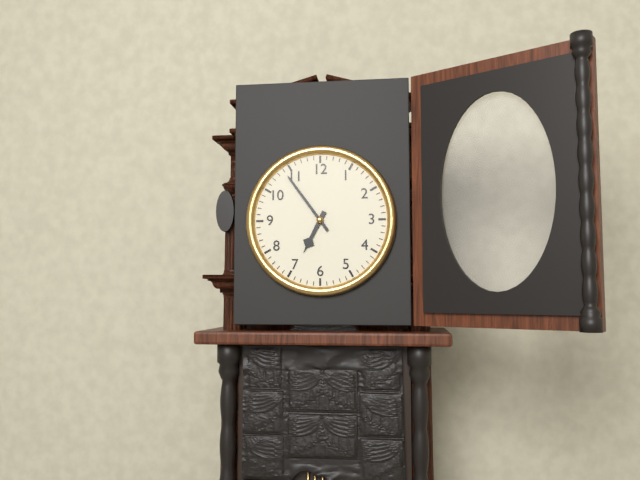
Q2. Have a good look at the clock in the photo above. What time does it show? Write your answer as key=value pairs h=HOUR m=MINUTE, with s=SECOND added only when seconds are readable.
h=6 m=54
